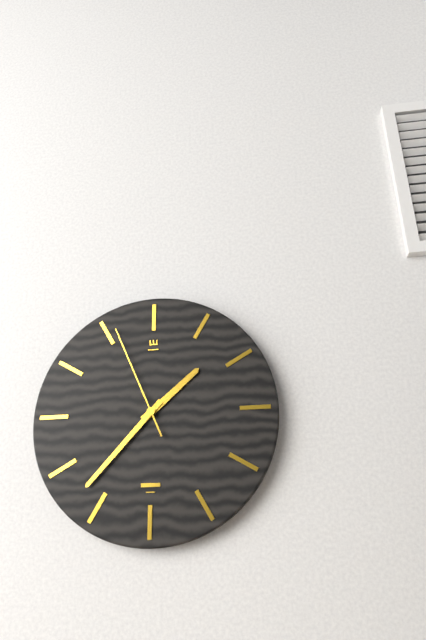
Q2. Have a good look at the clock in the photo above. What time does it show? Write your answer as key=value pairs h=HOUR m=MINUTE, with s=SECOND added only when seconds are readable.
h=1 m=37 s=56
